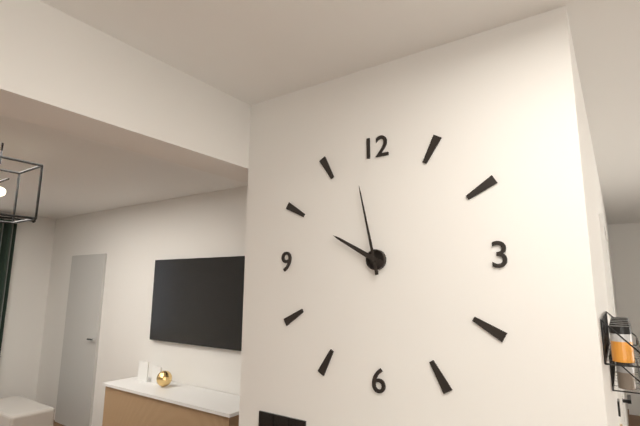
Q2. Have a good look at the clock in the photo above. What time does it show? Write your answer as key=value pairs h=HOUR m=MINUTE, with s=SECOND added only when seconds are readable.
h=9 m=58
